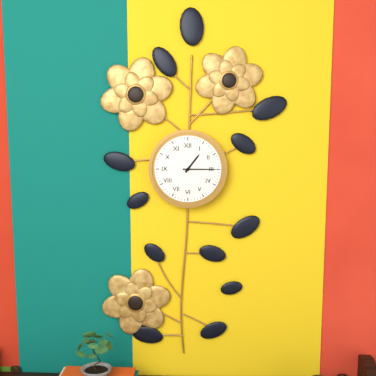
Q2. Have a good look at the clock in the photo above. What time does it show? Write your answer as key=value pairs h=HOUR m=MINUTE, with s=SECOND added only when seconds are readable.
h=1 m=15
